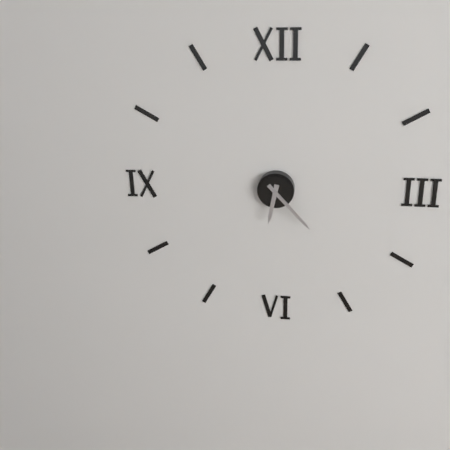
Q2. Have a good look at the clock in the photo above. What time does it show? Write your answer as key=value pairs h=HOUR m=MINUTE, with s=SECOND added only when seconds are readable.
h=6 m=23
